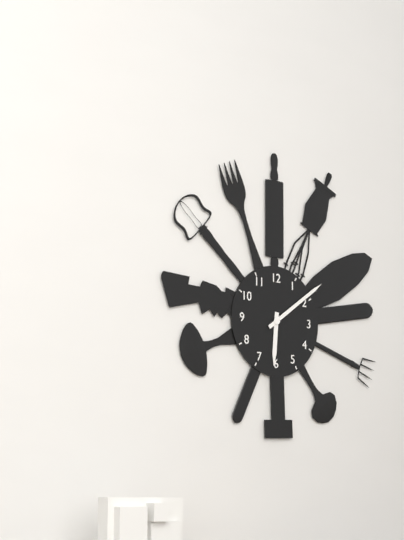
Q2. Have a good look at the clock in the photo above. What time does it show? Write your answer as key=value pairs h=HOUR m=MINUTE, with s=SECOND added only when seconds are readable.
h=6 m=9
